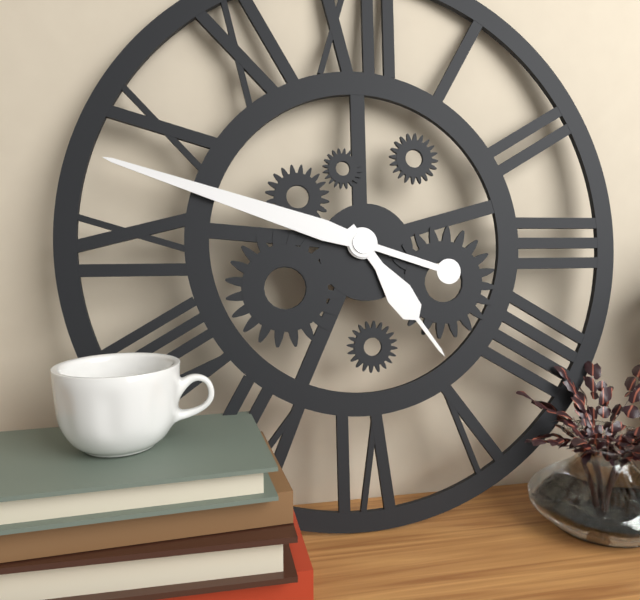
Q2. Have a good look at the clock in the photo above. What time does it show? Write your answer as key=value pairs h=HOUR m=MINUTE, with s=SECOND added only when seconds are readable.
h=4 m=48
